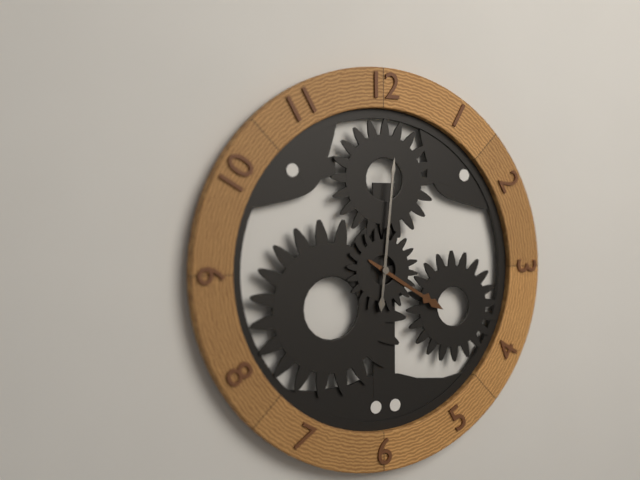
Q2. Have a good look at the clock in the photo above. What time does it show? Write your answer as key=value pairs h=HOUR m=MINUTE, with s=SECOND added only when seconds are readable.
h=4 m=1
